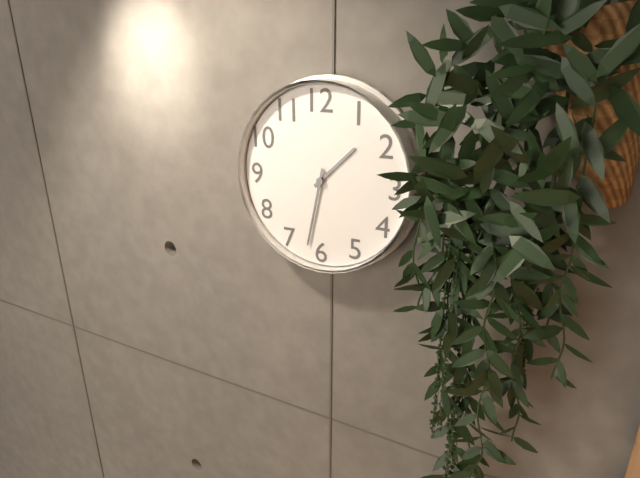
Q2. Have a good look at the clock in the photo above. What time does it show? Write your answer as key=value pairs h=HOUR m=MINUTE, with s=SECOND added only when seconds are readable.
h=1 m=32
